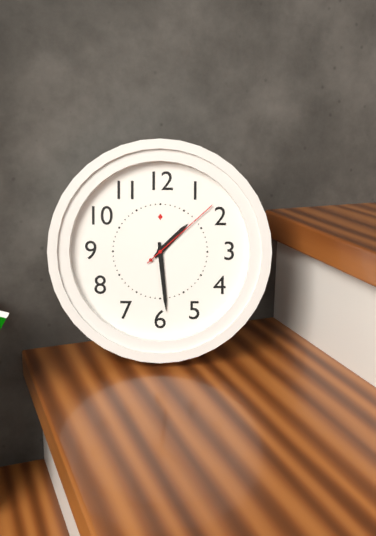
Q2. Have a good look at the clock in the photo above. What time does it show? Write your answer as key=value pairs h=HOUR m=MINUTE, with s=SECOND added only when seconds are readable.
h=1 m=29 s=8
